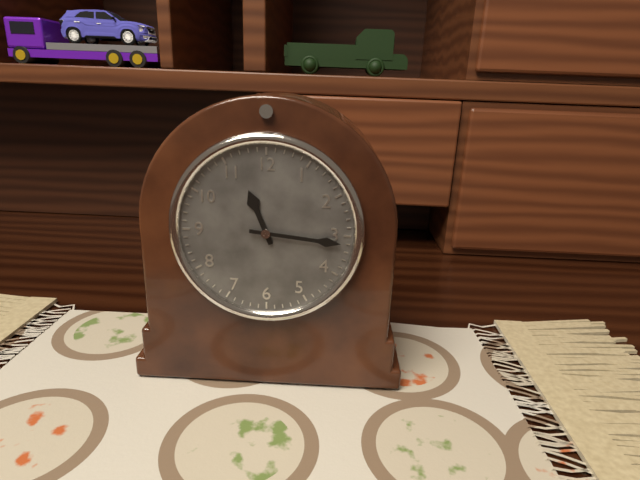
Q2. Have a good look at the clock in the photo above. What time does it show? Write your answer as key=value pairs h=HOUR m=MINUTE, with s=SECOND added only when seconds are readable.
h=11 m=16
